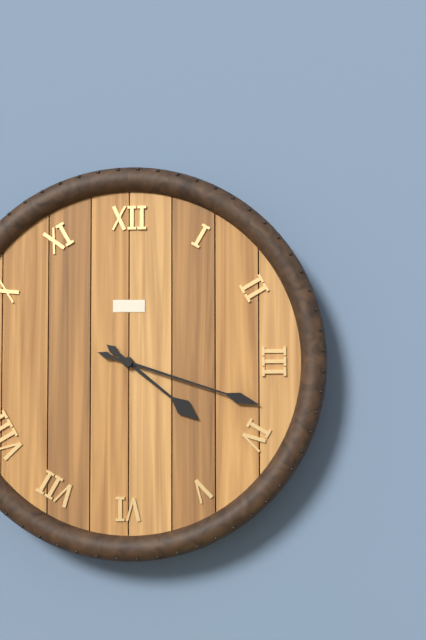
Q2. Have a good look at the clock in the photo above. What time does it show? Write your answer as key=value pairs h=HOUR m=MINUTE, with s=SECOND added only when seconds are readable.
h=4 m=18
